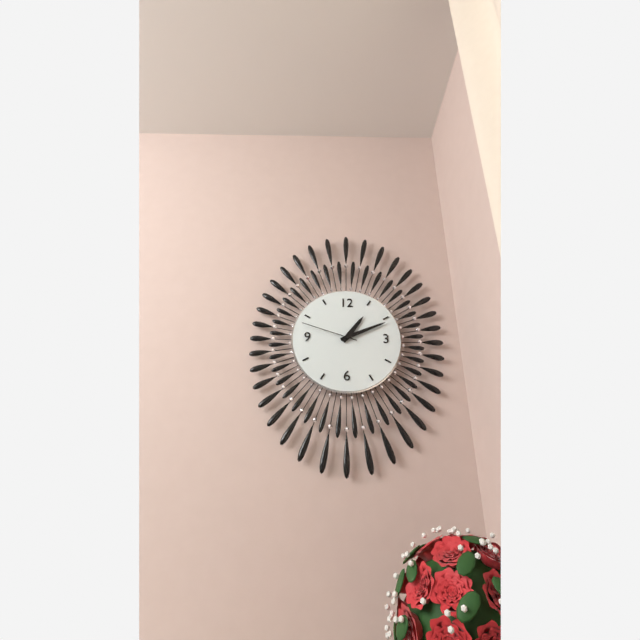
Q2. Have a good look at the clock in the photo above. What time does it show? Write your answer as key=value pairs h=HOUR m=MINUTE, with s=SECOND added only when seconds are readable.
h=1 m=11 s=48
